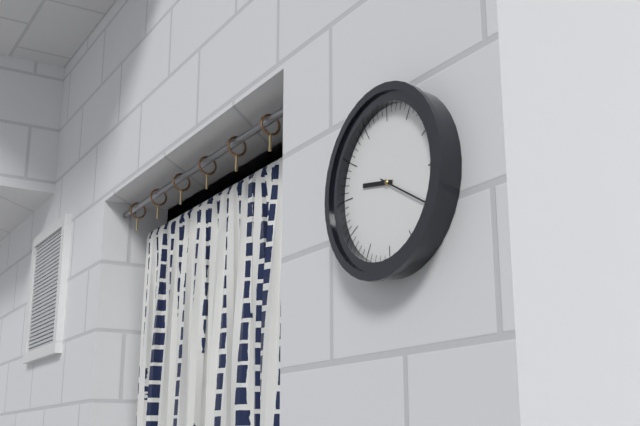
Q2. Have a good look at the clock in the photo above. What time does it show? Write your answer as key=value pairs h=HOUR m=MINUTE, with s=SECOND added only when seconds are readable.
h=9 m=20
